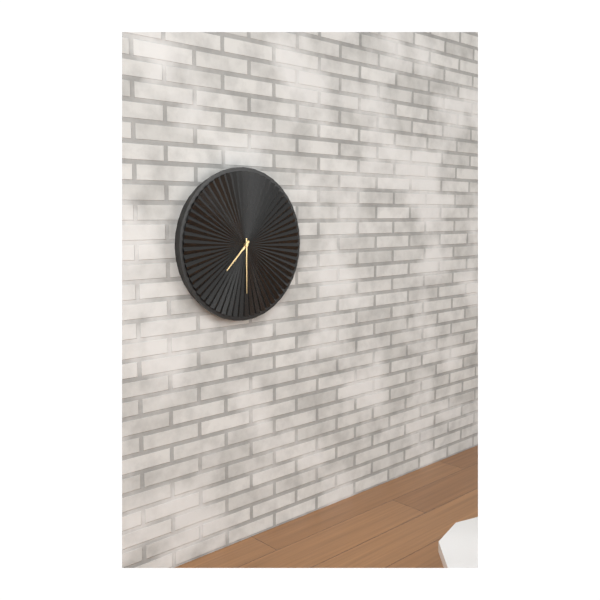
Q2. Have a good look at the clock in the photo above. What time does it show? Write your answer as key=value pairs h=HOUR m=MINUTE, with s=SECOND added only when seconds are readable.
h=7 m=30
